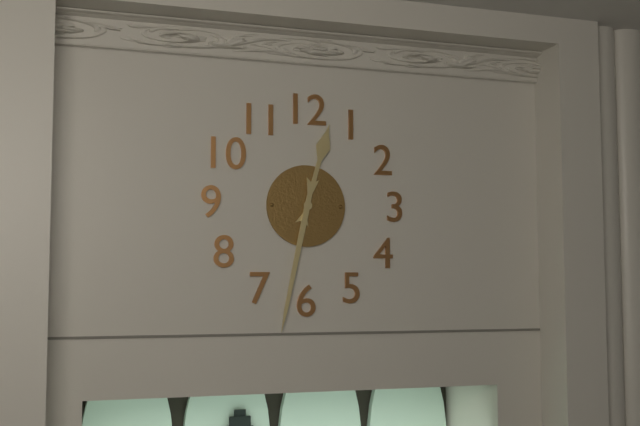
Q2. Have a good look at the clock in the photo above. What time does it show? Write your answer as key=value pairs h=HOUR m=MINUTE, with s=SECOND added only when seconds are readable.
h=12 m=32
